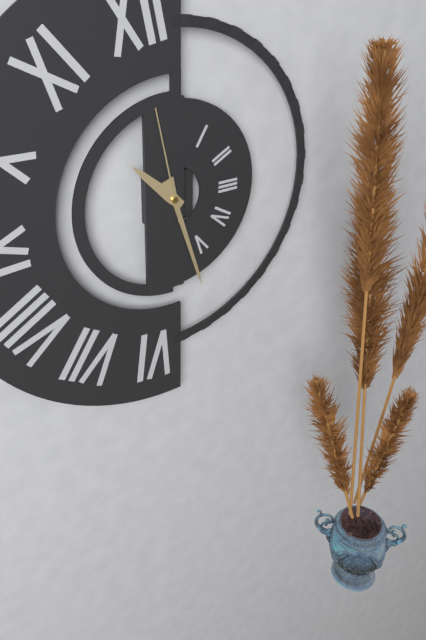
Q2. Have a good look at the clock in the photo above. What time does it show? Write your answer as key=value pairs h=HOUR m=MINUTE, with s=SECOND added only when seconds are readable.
h=10 m=27 s=58
